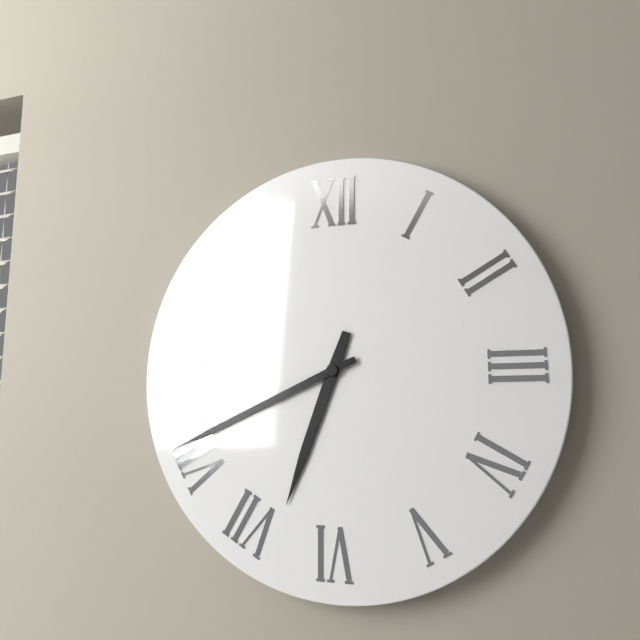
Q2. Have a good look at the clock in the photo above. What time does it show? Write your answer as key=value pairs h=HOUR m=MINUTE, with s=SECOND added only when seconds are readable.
h=6 m=41
